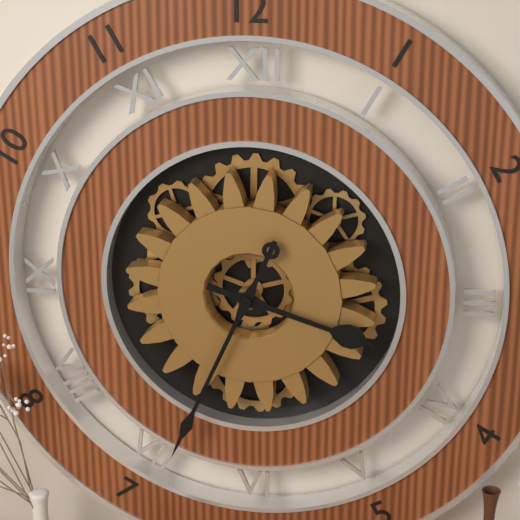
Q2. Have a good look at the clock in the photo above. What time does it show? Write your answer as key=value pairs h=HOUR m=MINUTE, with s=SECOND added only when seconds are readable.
h=3 m=34
